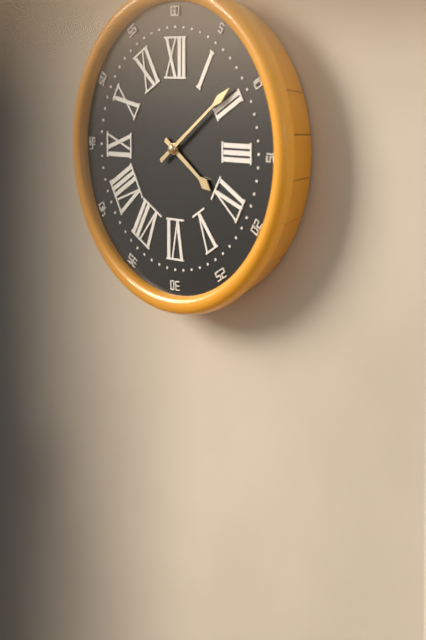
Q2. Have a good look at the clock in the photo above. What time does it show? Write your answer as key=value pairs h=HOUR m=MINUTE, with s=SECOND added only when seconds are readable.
h=4 m=9
